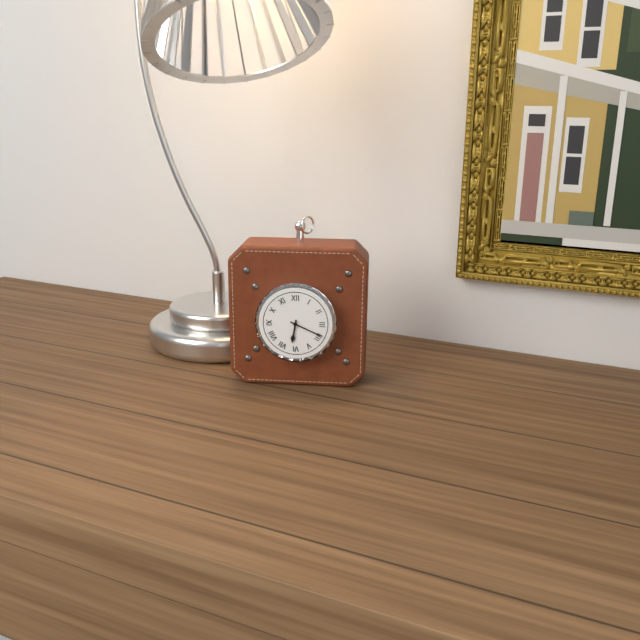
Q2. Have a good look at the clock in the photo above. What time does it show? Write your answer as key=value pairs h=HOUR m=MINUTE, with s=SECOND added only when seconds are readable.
h=6 m=19
